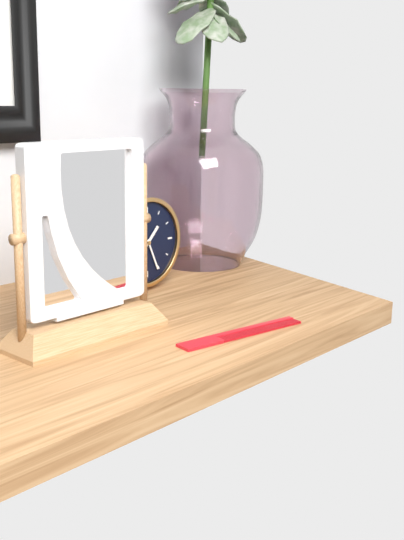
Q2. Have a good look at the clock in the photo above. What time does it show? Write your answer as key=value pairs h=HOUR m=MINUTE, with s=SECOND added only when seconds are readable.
h=1 m=26
